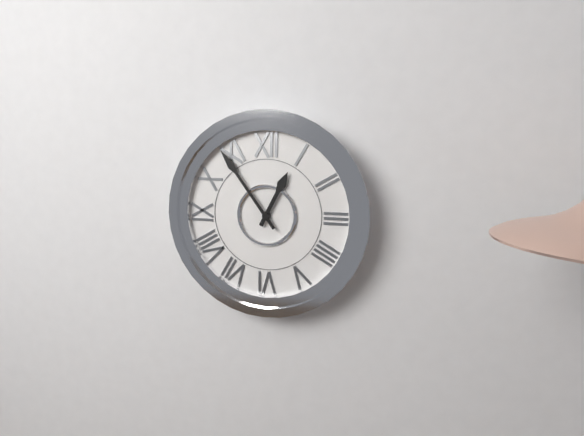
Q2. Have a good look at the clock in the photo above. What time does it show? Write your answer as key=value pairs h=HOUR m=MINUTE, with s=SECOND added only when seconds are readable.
h=12 m=54
